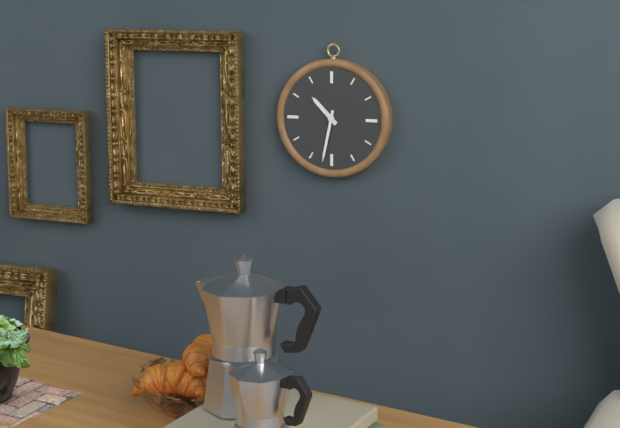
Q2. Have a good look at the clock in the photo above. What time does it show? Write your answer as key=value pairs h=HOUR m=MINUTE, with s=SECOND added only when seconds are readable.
h=10 m=32
